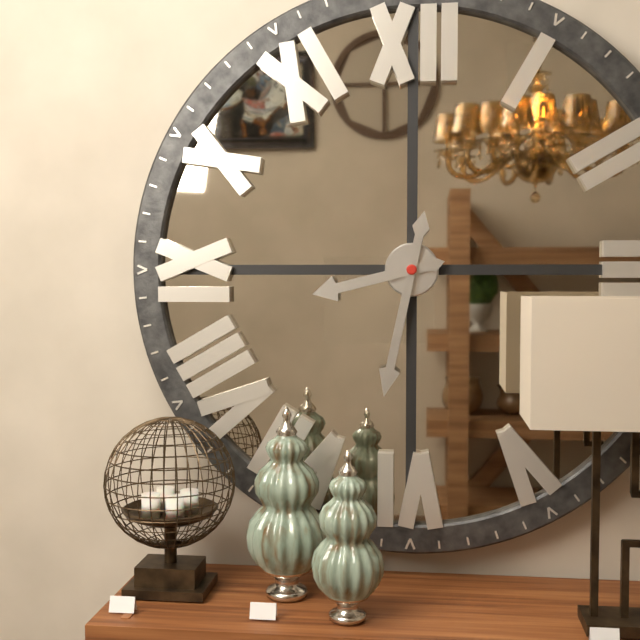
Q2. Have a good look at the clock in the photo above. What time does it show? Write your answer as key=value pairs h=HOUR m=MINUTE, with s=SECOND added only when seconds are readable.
h=8 m=32
